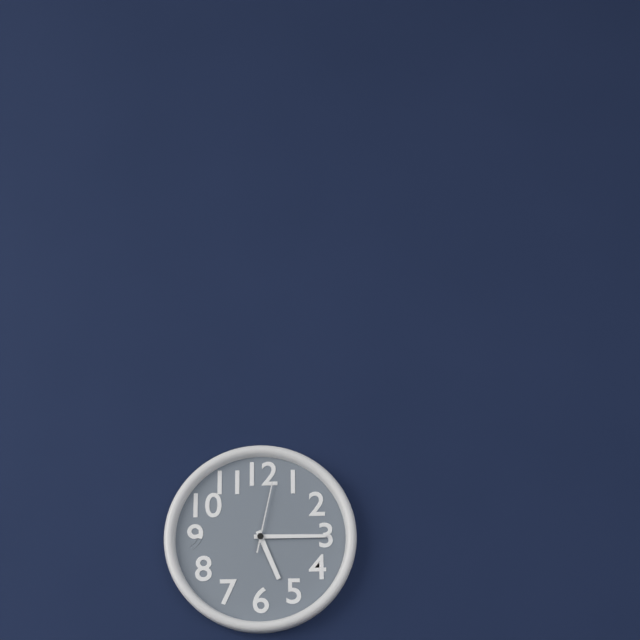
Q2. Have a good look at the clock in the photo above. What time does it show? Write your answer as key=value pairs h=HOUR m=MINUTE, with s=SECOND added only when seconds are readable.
h=5 m=15 s=2
